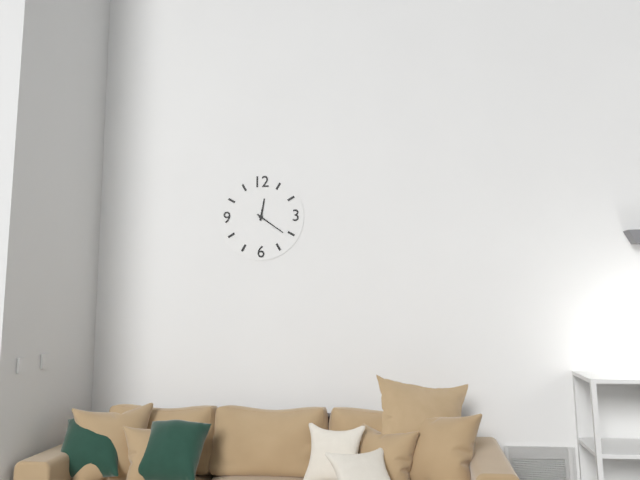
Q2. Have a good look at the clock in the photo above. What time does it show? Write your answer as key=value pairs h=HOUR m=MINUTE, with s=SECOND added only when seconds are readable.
h=12 m=21
